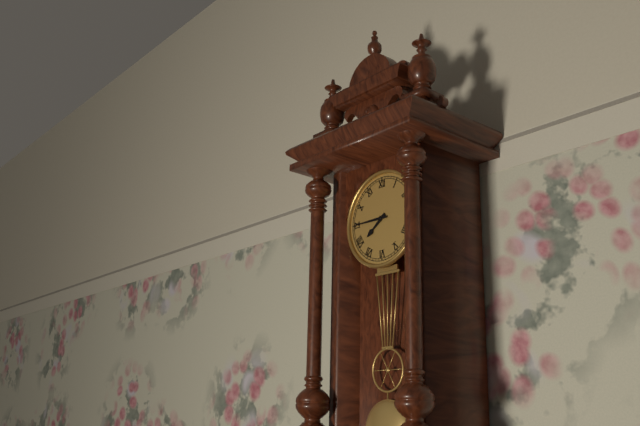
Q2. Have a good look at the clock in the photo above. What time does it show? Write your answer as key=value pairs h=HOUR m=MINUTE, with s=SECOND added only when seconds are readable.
h=7 m=45
